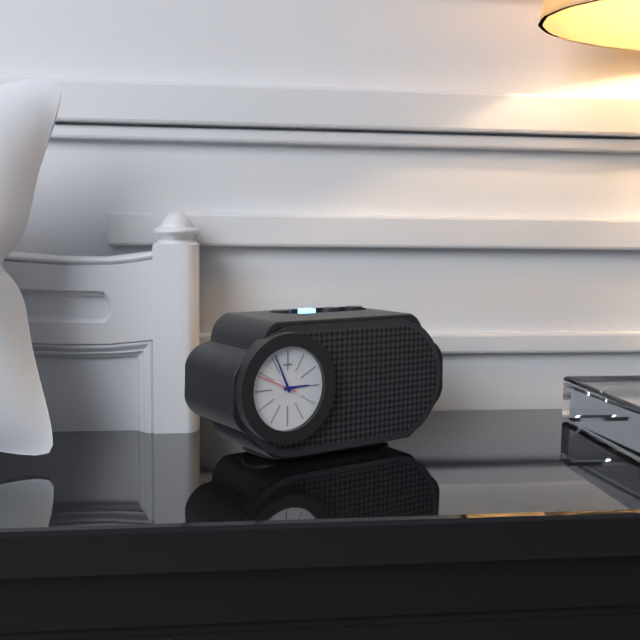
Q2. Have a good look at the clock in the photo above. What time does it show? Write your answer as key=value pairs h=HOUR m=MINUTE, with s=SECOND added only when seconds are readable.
h=2 m=56
